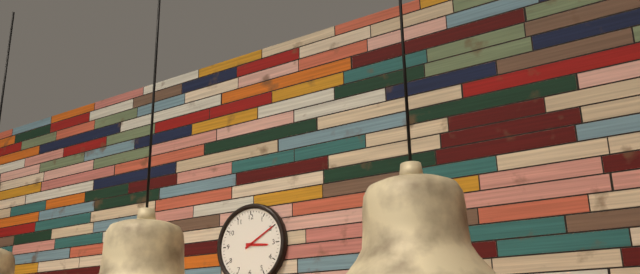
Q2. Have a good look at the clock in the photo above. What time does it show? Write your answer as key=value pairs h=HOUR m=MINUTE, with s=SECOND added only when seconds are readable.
h=3 m=10
